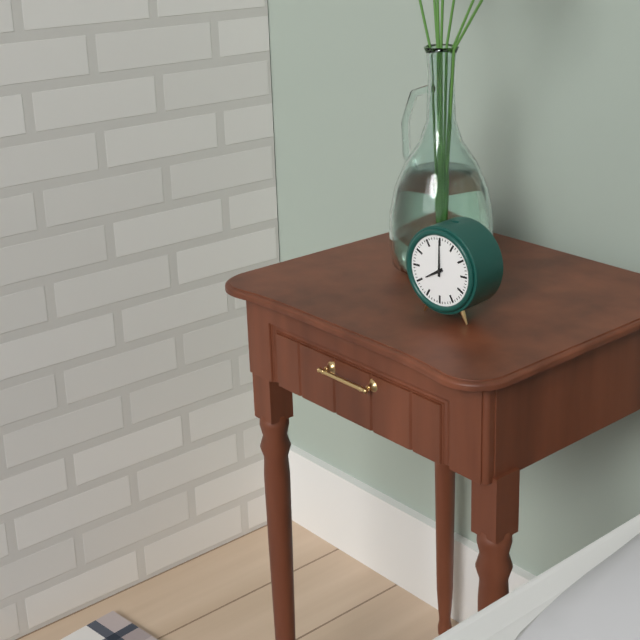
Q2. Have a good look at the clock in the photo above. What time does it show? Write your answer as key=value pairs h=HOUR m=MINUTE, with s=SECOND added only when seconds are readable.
h=8 m=0
